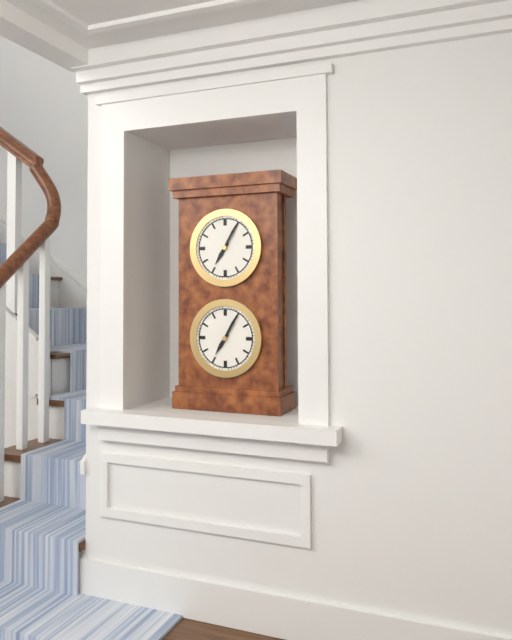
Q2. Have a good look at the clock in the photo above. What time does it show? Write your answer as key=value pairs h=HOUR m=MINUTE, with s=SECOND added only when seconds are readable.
h=7 m=5
